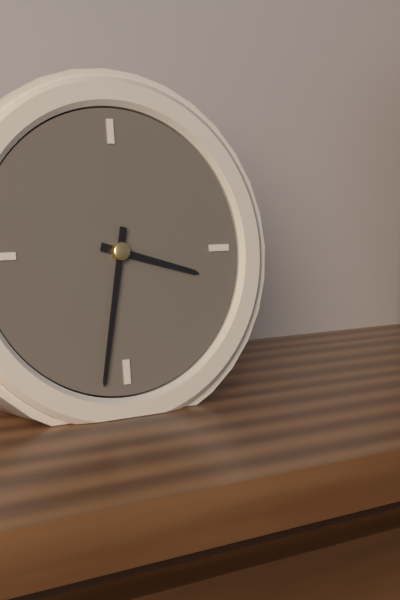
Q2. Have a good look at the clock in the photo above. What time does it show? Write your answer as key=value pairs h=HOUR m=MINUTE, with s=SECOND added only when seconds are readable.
h=3 m=32
